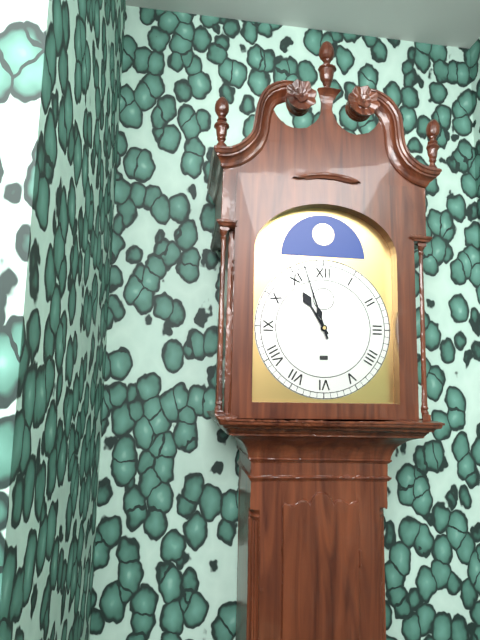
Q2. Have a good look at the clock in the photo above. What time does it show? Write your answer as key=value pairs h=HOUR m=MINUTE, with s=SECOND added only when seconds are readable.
h=10 m=57
